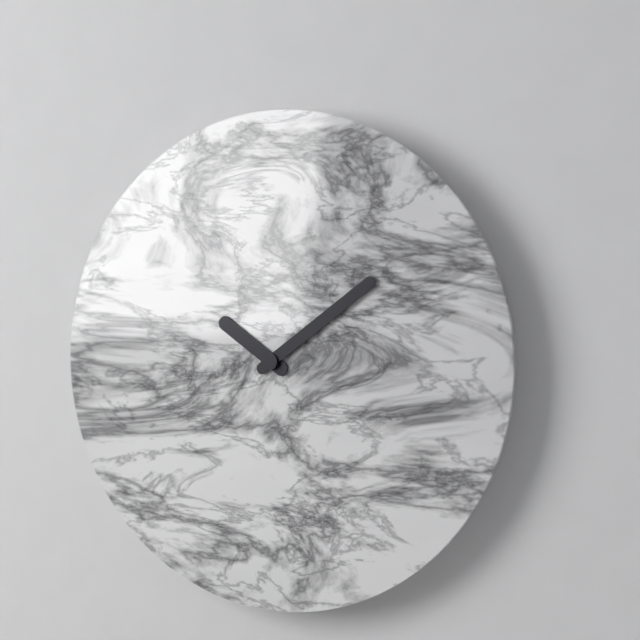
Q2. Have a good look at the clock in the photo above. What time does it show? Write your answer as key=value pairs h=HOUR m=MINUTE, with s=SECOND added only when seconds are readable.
h=10 m=9
